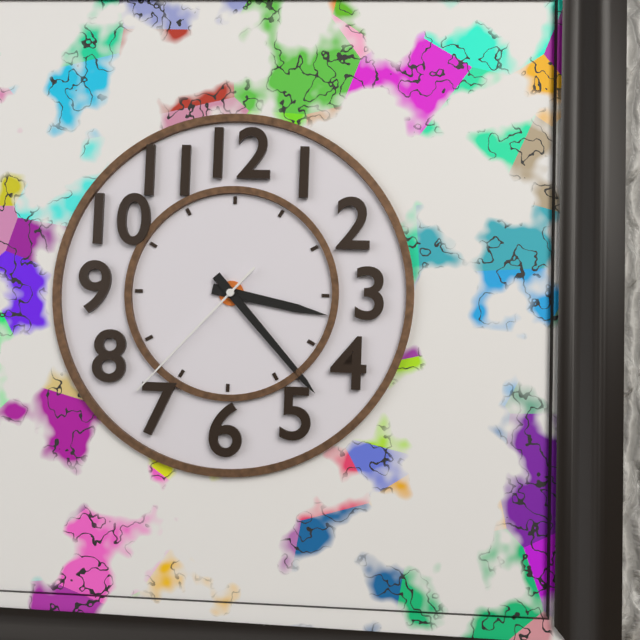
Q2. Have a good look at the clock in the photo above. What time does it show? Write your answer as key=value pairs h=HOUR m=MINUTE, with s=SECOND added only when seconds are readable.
h=3 m=23 s=37
